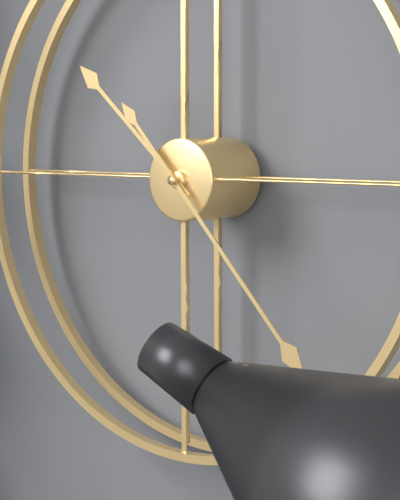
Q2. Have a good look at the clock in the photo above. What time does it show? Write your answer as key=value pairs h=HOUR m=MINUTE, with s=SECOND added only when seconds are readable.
h=10 m=23
